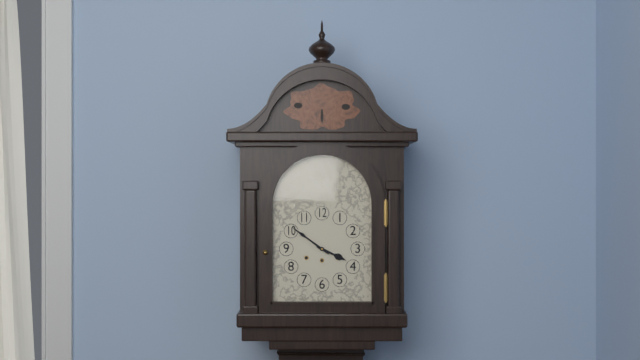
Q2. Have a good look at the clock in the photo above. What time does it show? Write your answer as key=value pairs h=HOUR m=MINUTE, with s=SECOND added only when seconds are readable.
h=3 m=51
